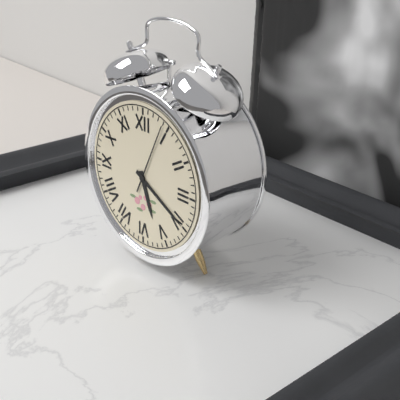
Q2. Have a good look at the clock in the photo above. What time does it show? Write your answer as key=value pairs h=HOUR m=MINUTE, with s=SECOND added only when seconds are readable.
h=5 m=20 s=4
